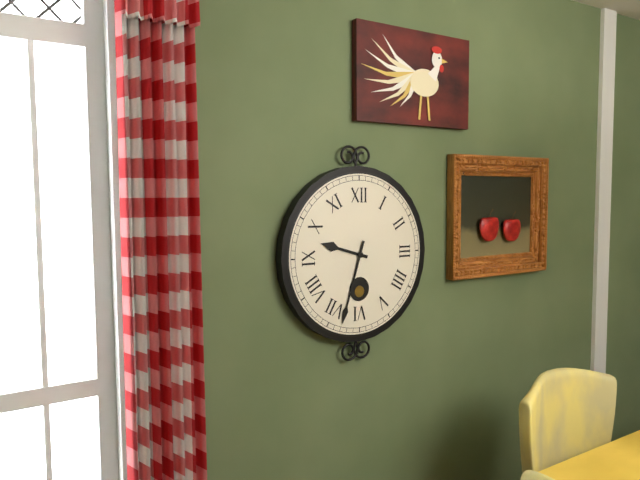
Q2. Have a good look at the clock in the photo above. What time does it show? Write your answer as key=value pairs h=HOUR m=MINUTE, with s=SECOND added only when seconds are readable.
h=9 m=33
